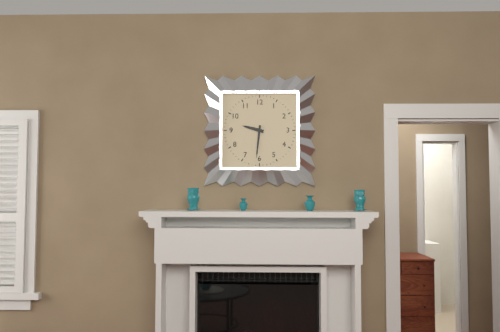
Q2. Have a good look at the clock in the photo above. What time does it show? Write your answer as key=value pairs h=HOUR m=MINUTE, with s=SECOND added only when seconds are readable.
h=9 m=31
